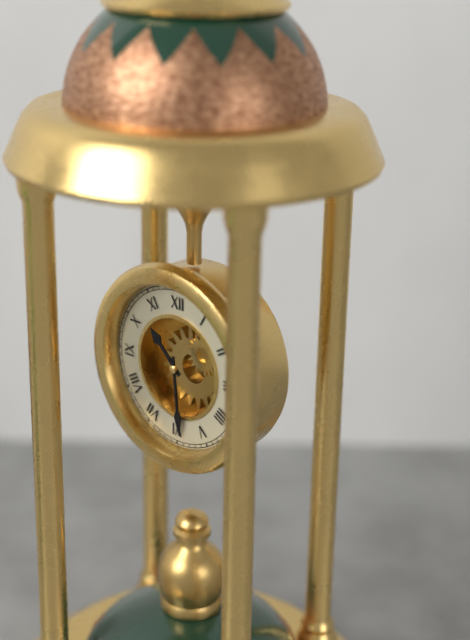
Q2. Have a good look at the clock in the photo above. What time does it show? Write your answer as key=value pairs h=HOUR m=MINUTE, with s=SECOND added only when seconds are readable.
h=10 m=29
